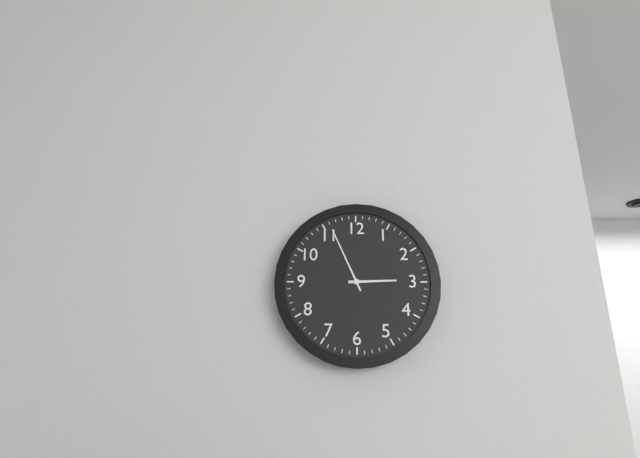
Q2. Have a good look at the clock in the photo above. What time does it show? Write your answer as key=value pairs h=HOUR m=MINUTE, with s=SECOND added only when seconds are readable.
h=2 m=56
